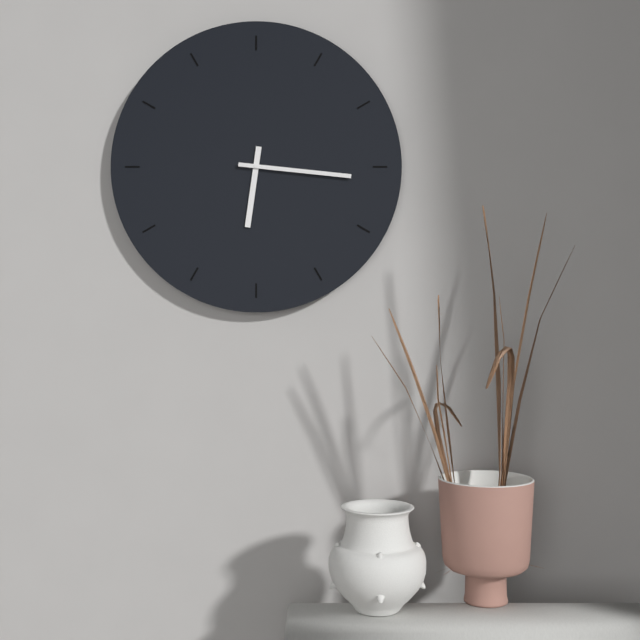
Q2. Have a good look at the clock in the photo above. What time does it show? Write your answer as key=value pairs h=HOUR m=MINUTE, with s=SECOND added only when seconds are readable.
h=6 m=16
